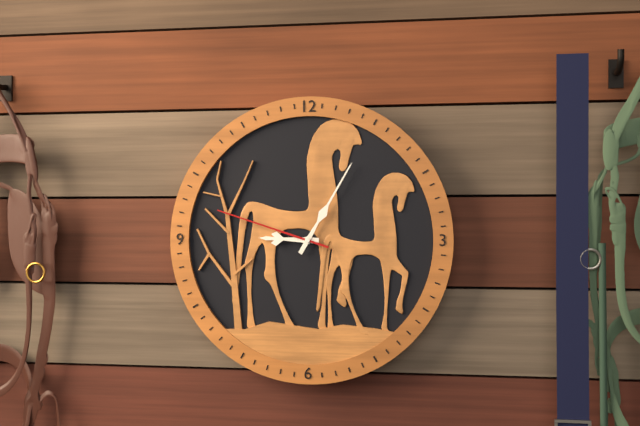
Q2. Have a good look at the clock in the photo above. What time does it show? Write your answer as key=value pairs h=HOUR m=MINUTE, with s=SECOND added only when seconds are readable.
h=9 m=5 s=48
